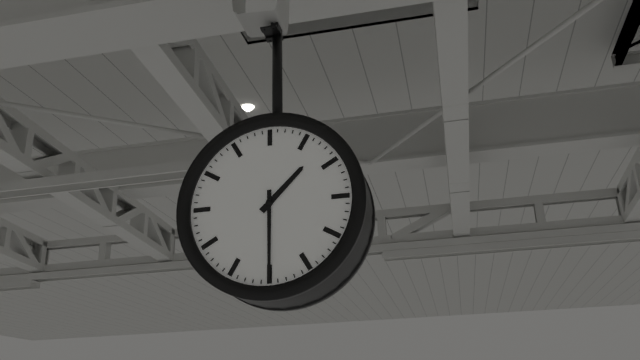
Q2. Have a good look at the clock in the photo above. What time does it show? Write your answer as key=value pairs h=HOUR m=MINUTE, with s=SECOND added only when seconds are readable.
h=1 m=30
